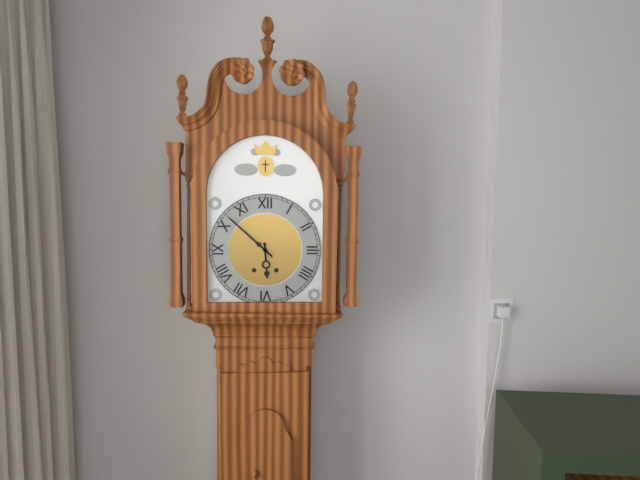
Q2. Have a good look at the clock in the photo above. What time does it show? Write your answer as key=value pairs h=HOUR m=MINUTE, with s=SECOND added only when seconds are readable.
h=5 m=52
